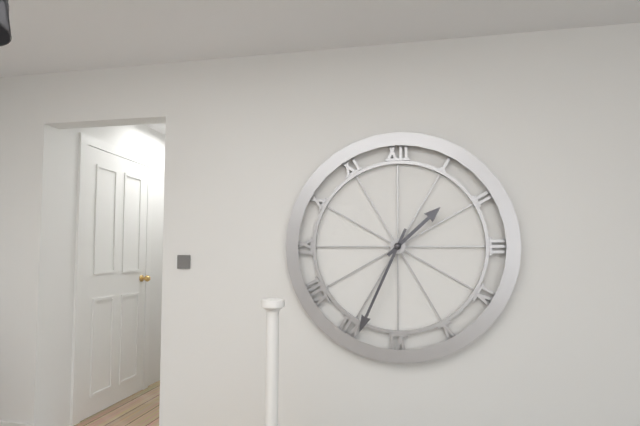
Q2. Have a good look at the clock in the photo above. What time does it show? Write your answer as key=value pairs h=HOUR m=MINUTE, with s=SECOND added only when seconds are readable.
h=1 m=34
